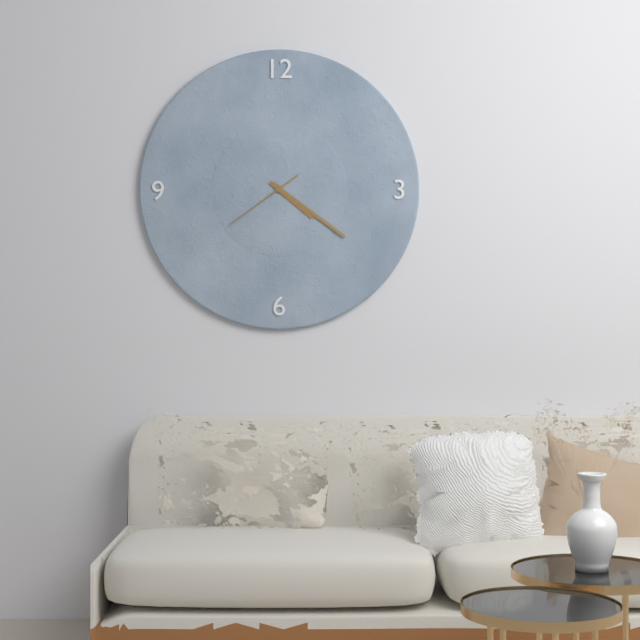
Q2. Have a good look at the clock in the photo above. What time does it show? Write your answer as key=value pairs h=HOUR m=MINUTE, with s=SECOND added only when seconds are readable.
h=4 m=21 s=39
